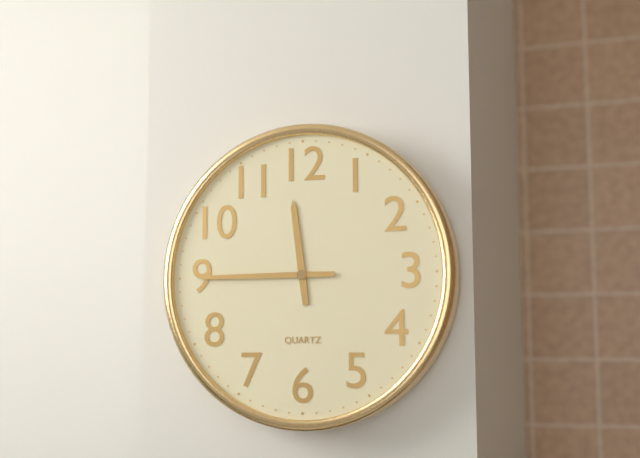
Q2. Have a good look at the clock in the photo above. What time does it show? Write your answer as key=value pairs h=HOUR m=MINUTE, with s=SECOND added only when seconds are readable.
h=11 m=45
